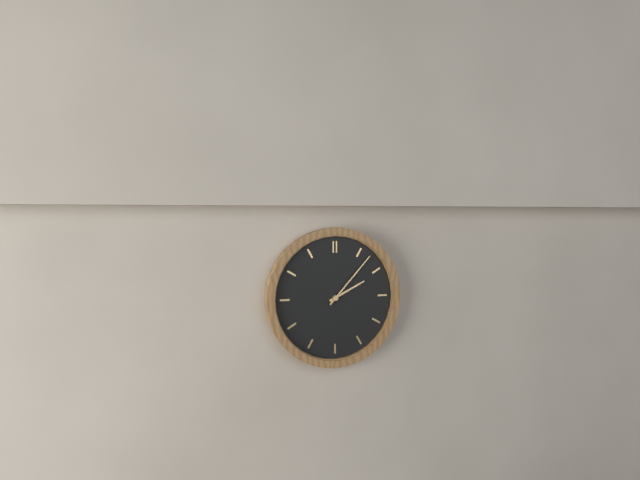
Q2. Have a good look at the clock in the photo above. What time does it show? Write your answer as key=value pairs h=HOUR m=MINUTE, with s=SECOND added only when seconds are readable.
h=2 m=7
